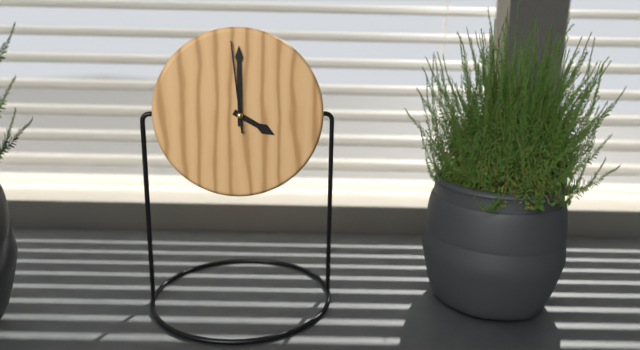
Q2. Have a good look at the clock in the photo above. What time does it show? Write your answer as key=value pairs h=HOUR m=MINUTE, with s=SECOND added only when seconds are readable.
h=4 m=0 s=59
